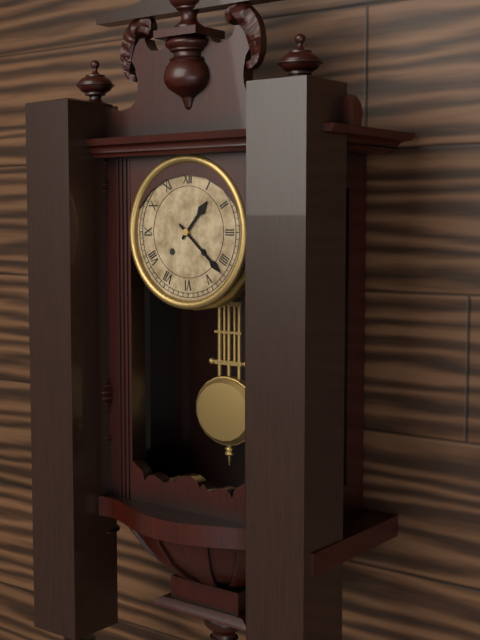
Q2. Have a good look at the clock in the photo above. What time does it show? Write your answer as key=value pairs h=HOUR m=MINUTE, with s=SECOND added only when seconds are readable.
h=1 m=22
